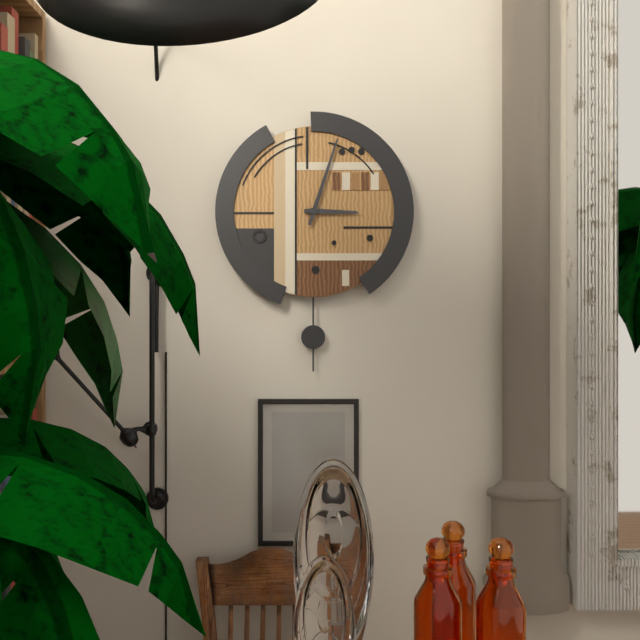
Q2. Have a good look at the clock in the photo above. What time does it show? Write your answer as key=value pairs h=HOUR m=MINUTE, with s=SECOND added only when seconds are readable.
h=3 m=3
